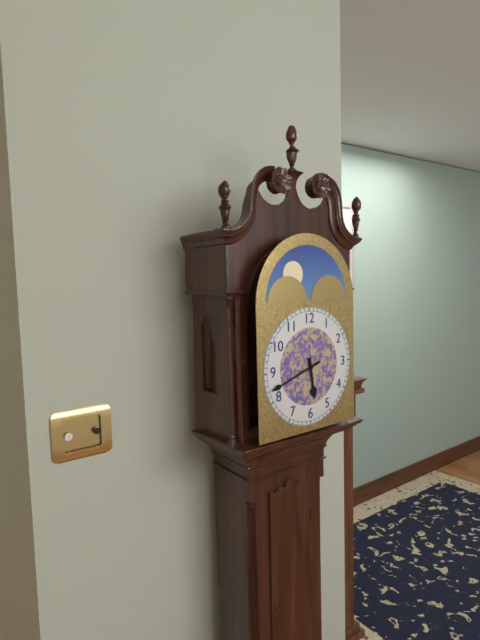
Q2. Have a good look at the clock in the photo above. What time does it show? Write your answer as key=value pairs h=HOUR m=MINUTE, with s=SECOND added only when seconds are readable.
h=5 m=42
